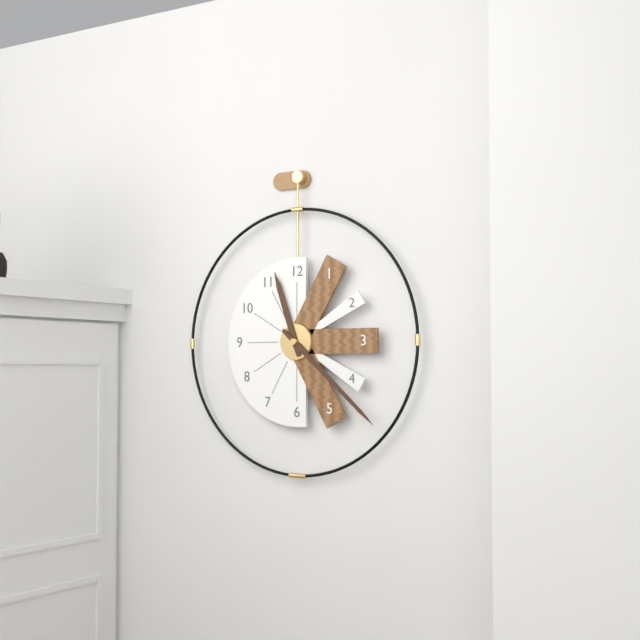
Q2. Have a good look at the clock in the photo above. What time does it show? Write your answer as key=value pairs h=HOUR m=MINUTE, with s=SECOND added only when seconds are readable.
h=11 m=22
